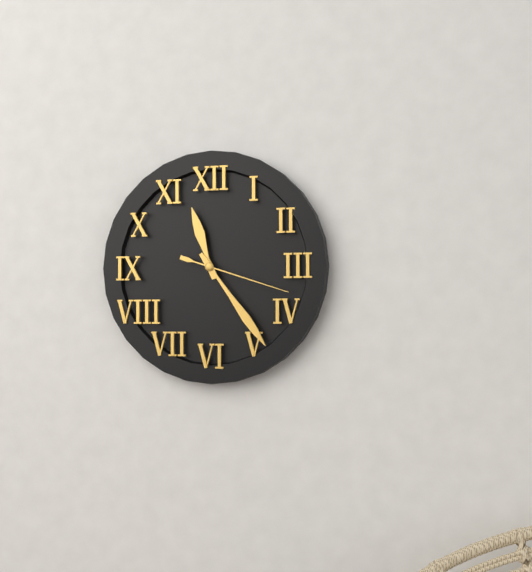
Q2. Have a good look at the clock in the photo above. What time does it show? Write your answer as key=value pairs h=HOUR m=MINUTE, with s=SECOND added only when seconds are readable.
h=11 m=24 s=18
